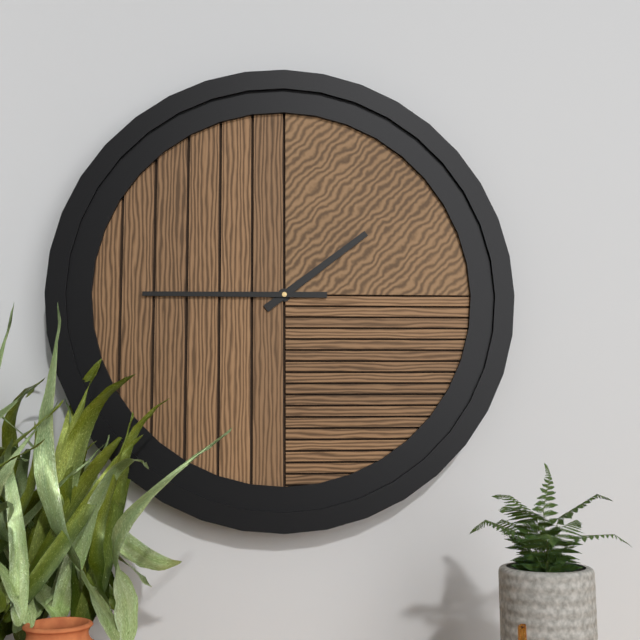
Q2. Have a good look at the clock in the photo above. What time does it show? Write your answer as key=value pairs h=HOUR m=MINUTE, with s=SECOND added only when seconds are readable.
h=1 m=45
